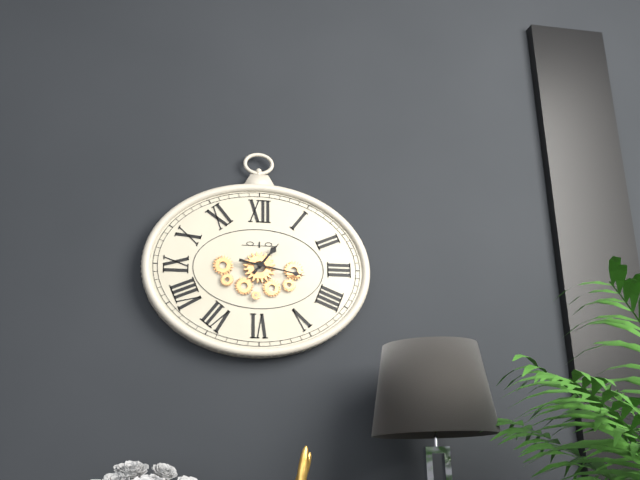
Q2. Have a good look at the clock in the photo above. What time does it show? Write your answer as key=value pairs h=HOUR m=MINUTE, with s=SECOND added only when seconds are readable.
h=1 m=17
